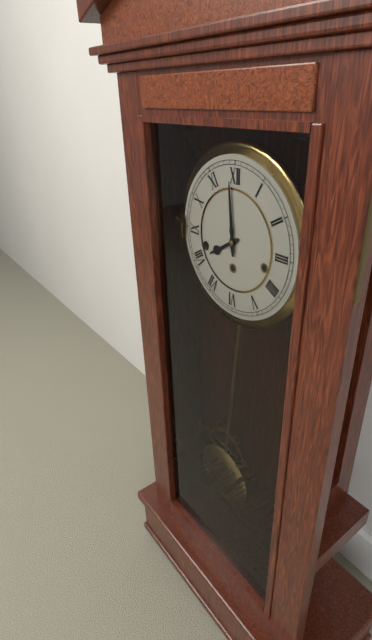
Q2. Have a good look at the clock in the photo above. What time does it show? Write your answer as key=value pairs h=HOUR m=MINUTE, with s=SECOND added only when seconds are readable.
h=7 m=59
